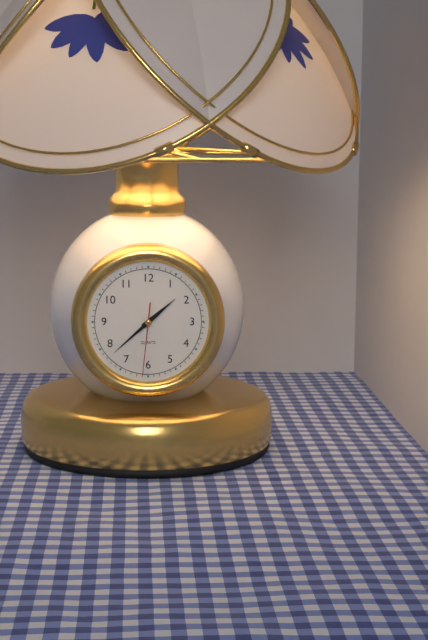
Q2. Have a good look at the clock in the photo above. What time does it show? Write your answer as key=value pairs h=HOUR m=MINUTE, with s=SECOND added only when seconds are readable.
h=1 m=38 s=31
